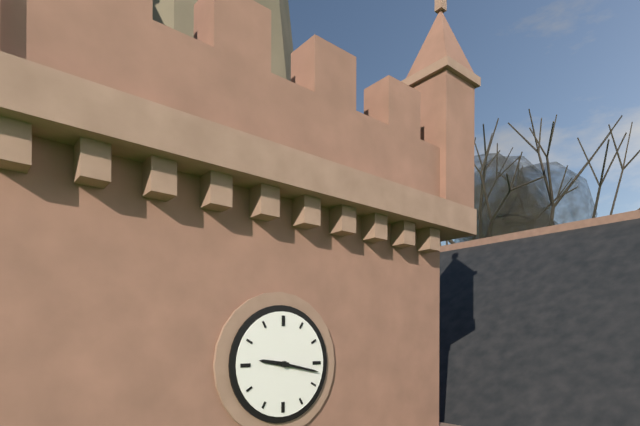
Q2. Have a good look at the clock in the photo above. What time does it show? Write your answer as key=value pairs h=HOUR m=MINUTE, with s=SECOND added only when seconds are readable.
h=9 m=17
